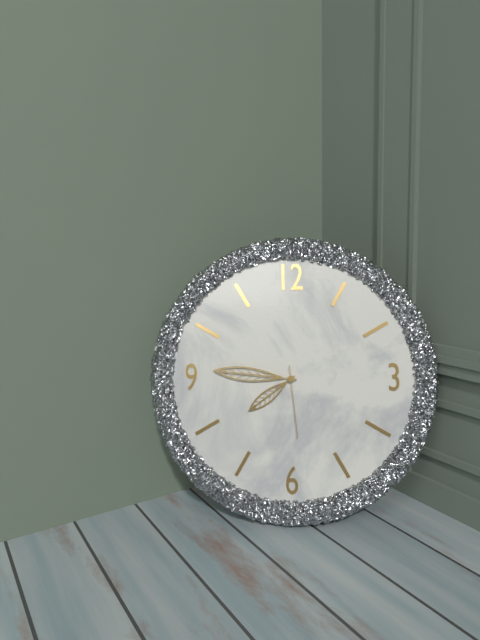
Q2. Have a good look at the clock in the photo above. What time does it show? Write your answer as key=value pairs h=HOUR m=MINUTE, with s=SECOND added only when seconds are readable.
h=7 m=46 s=29
